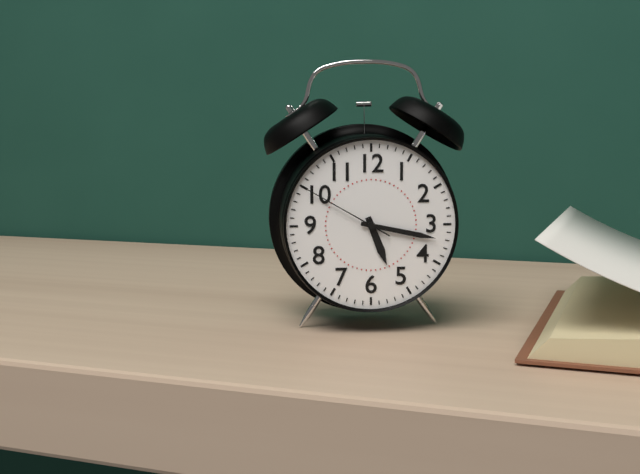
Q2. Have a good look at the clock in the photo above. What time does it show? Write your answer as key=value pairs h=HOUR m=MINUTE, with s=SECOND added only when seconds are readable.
h=5 m=17 s=50
